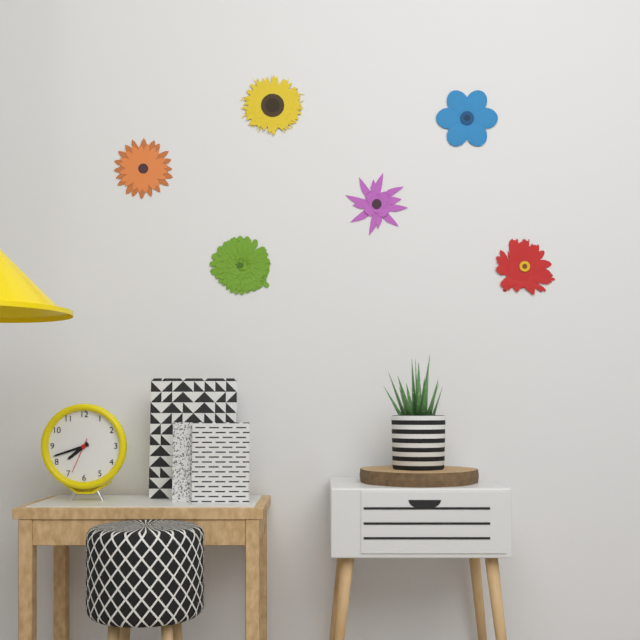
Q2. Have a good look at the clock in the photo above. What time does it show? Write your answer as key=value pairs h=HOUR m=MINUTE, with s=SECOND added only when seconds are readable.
h=7 m=42
